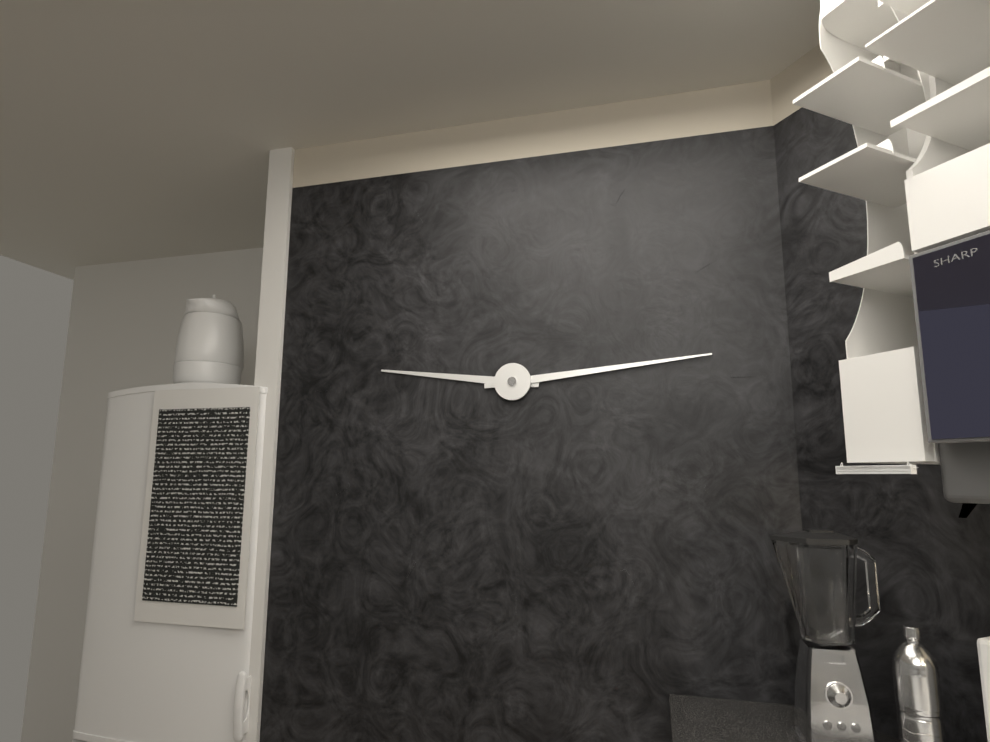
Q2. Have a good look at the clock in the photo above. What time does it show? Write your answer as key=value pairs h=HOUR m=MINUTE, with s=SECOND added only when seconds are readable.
h=9 m=14
